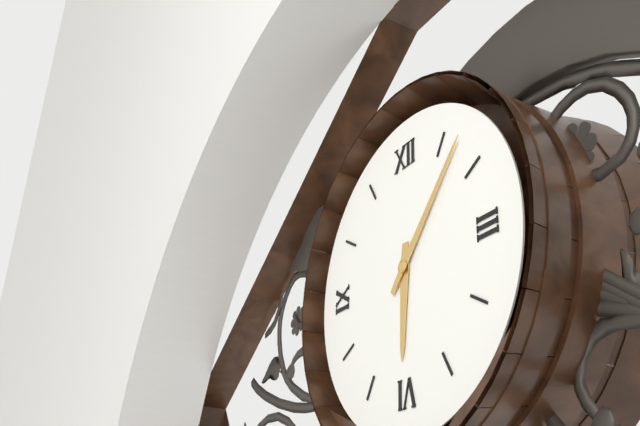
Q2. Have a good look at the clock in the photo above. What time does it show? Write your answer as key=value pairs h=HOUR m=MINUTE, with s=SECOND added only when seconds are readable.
h=6 m=7
